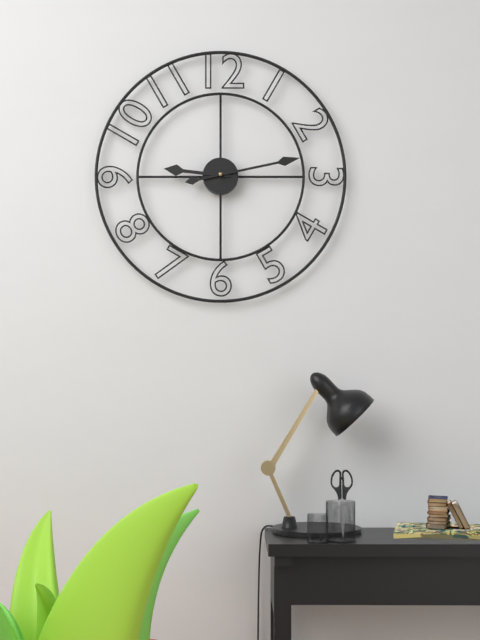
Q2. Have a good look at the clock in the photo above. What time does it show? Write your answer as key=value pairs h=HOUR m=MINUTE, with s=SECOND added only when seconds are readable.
h=9 m=13
